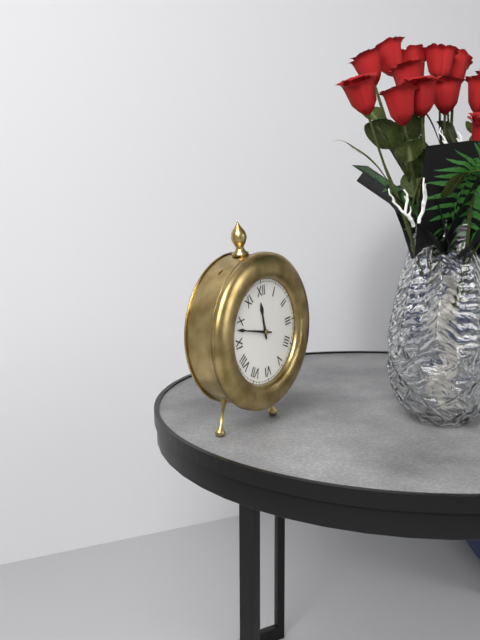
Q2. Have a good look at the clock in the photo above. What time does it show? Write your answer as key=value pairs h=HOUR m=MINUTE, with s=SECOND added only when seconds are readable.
h=11 m=48
